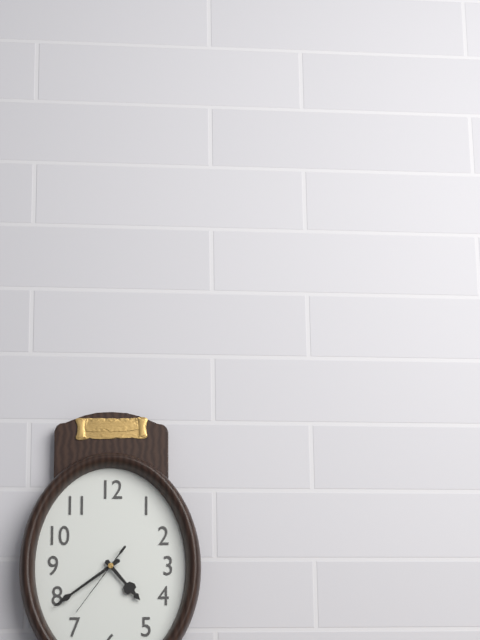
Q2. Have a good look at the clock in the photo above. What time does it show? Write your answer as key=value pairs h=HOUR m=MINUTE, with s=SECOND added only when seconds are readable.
h=4 m=39 s=36
